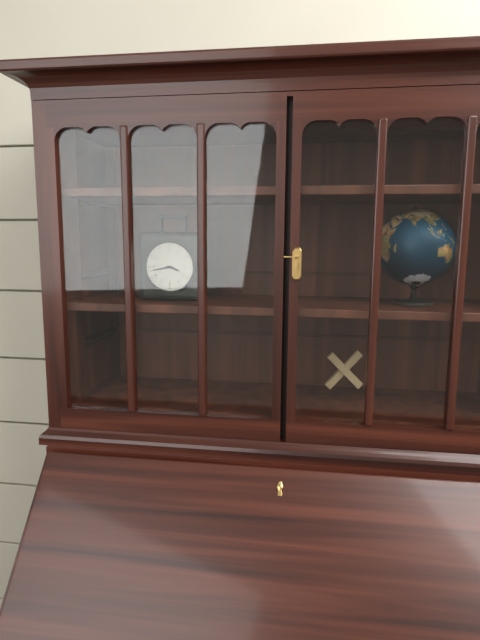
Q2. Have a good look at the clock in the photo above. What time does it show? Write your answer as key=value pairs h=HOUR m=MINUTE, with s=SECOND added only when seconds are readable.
h=3 m=43
